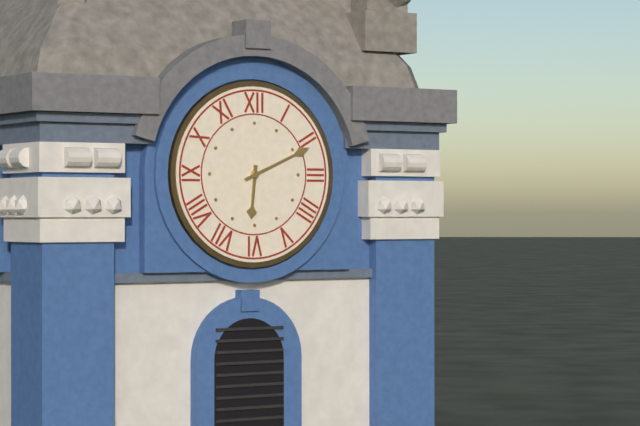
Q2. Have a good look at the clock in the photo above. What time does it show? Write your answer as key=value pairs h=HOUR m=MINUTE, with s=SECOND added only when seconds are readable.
h=6 m=11
